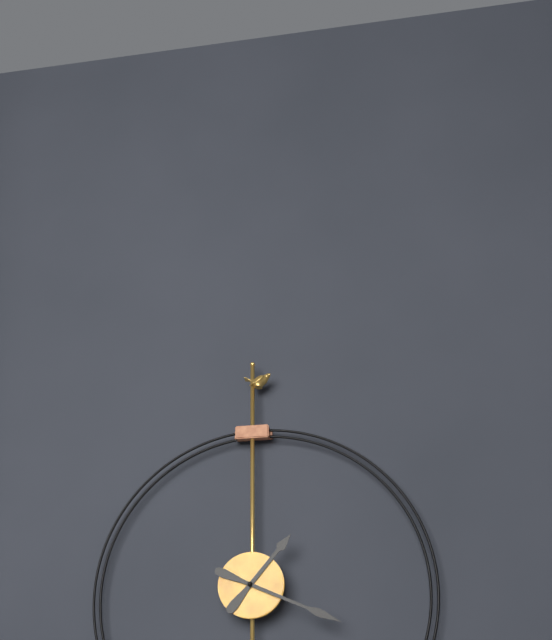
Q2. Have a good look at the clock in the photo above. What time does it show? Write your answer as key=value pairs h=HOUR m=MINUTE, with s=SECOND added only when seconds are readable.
h=1 m=19
